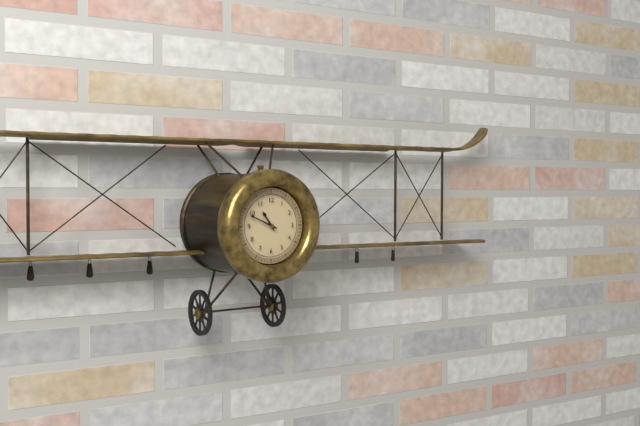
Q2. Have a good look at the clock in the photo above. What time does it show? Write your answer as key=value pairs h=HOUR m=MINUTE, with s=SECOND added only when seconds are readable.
h=10 m=49
